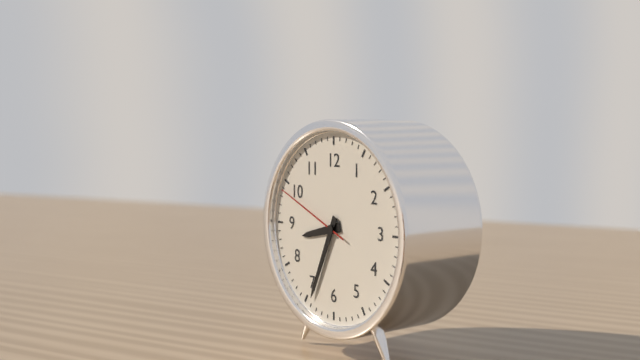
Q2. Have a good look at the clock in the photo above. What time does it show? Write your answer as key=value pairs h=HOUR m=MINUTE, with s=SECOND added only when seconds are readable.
h=8 m=34 s=49
